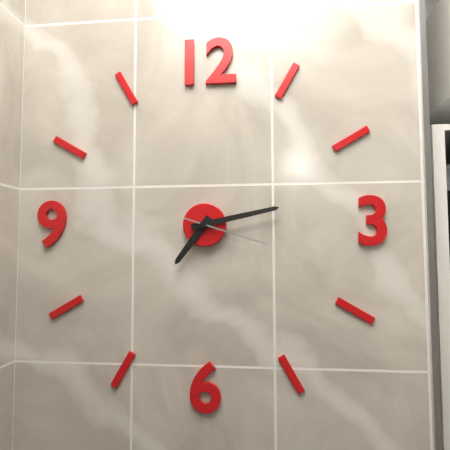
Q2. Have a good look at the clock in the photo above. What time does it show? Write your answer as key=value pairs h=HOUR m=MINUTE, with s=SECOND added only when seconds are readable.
h=7 m=13 s=18
